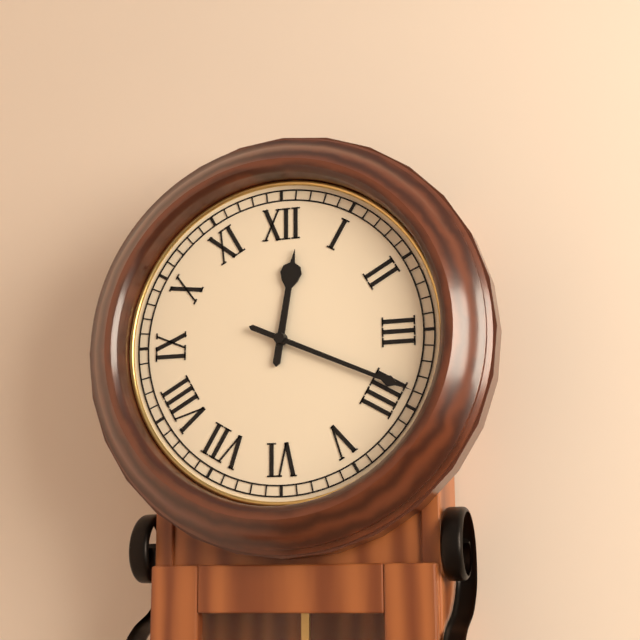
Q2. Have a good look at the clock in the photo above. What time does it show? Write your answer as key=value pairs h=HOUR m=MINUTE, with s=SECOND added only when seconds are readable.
h=12 m=19
